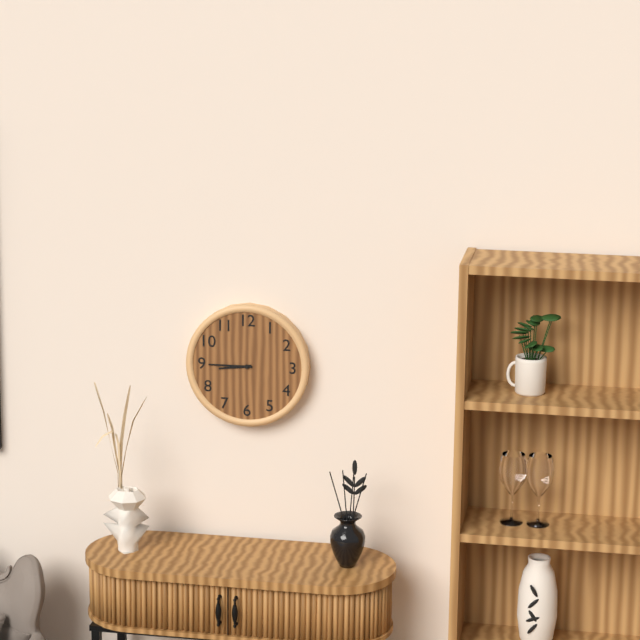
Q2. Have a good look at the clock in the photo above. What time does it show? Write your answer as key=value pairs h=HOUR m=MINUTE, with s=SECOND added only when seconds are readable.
h=8 m=45
